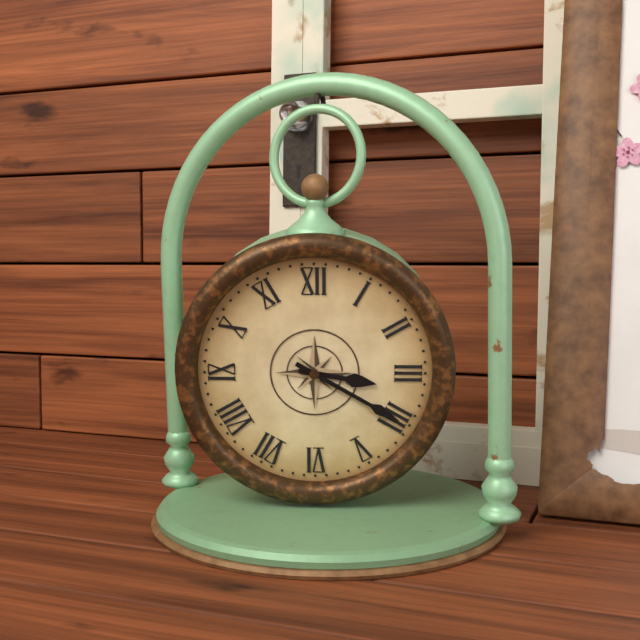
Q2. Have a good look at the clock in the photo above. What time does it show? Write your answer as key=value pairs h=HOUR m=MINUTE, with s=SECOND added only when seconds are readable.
h=3 m=20
